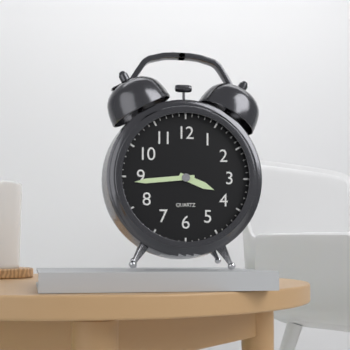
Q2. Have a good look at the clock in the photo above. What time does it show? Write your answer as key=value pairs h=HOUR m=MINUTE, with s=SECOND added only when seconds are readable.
h=3 m=44
